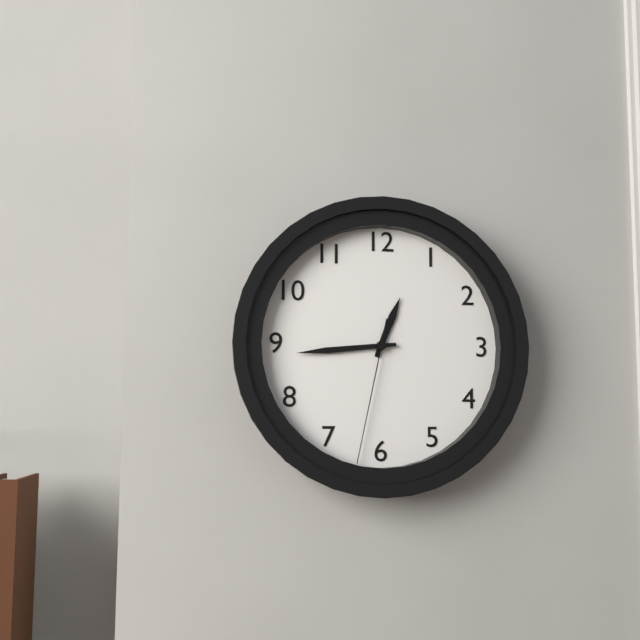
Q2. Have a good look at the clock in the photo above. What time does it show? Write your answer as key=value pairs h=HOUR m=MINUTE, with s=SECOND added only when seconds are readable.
h=12 m=44 s=32
